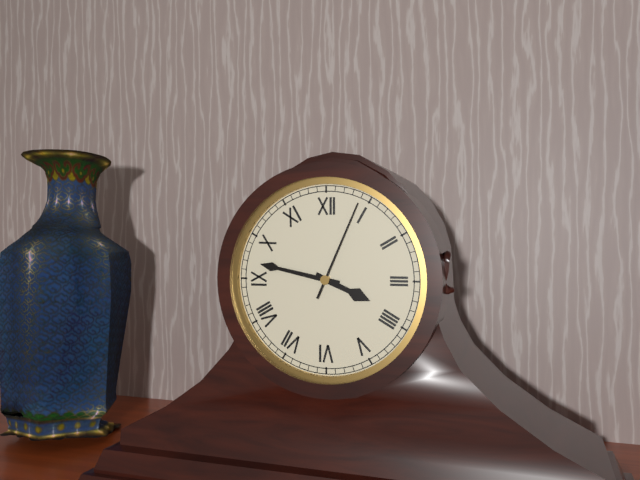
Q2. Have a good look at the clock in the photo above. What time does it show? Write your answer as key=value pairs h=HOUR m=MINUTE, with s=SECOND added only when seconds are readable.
h=3 m=47 s=4
